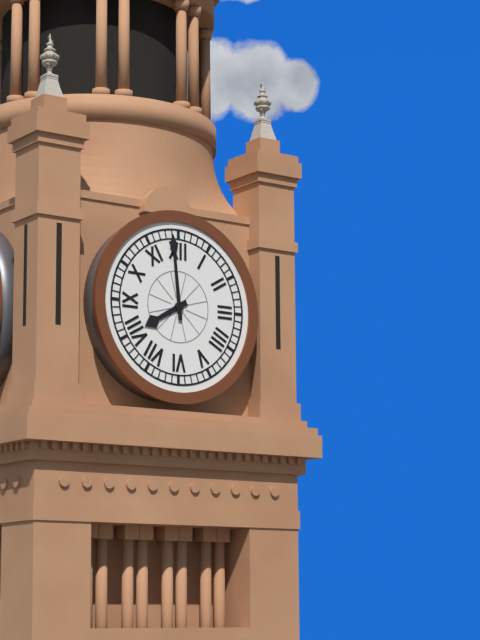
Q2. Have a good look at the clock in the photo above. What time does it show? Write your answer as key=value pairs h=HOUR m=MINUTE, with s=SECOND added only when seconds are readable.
h=7 m=59
